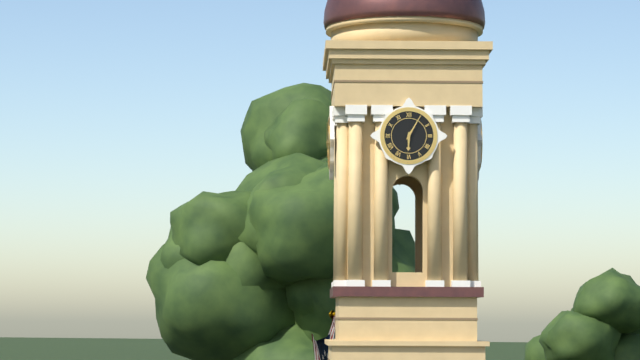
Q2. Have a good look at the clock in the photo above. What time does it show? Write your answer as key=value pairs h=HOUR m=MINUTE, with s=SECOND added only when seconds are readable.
h=6 m=5
